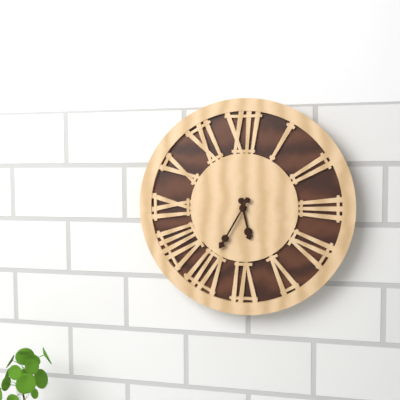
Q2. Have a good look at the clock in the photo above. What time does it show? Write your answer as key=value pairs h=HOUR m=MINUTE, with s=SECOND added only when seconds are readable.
h=5 m=35
